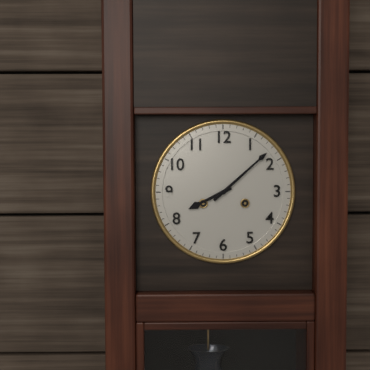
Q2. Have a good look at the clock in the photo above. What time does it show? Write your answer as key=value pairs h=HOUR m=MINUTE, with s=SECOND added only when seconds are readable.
h=8 m=8
